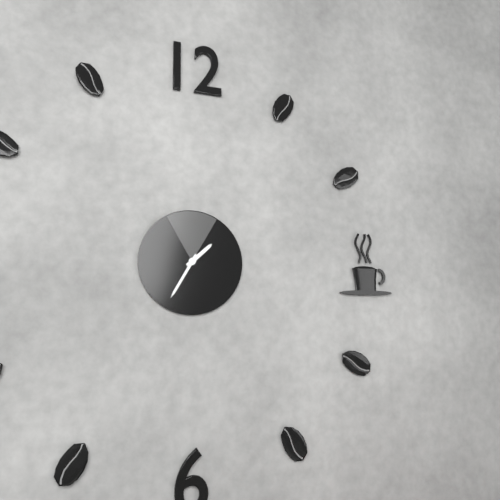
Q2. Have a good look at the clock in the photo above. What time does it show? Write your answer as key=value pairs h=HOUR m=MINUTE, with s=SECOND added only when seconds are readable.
h=1 m=35
